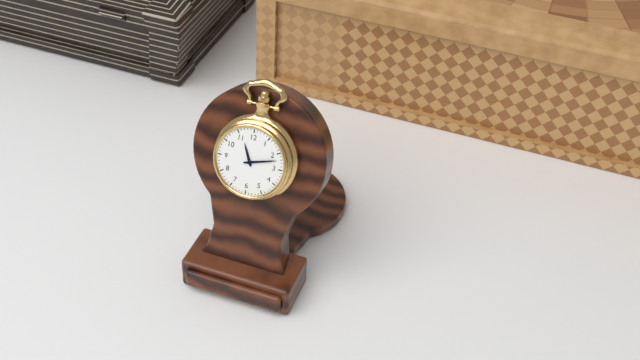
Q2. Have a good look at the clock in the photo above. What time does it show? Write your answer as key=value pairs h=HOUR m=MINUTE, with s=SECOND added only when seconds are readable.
h=11 m=12
